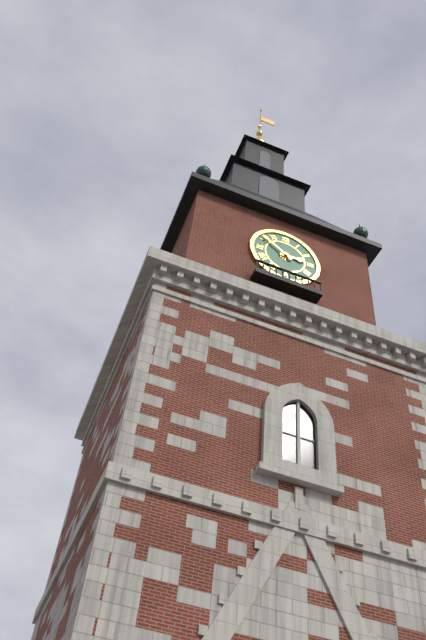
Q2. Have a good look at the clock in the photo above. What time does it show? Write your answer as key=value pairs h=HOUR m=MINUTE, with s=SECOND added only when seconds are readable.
h=2 m=51
